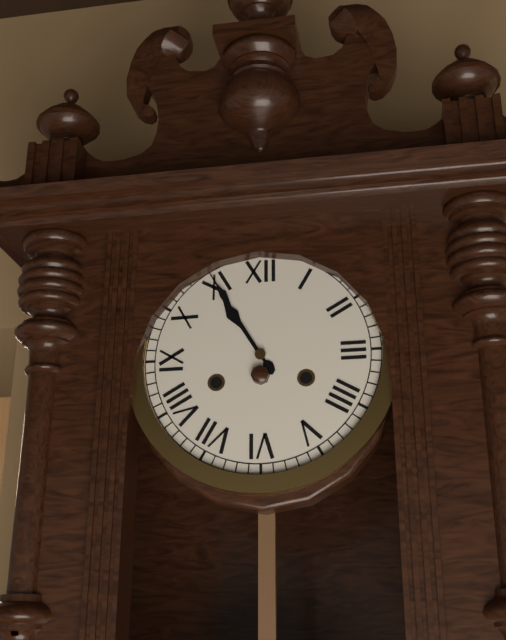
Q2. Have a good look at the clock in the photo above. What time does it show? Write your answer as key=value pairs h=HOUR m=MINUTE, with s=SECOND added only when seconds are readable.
h=10 m=55
